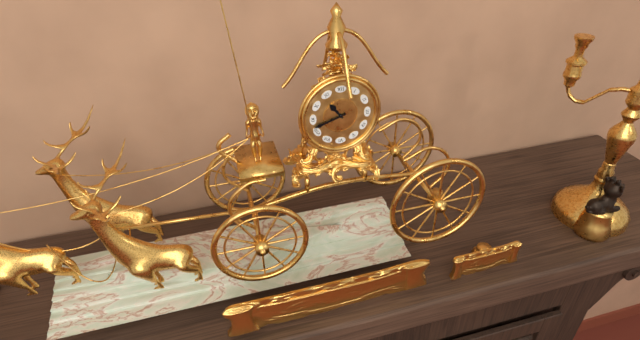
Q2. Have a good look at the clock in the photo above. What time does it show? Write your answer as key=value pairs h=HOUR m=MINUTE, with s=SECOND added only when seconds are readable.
h=10 m=42
